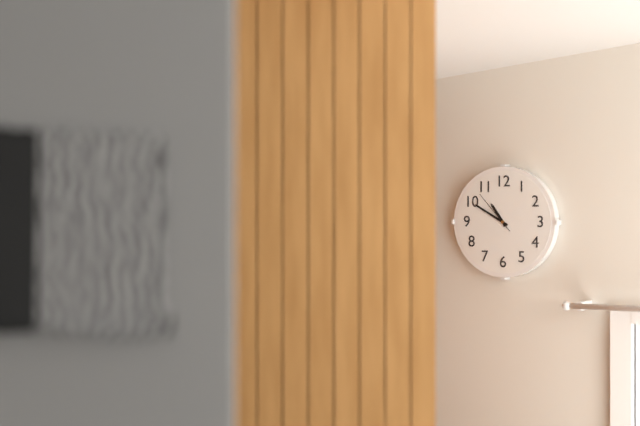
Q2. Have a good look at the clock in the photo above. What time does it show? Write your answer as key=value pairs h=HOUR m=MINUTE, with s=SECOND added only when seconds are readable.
h=10 m=50
